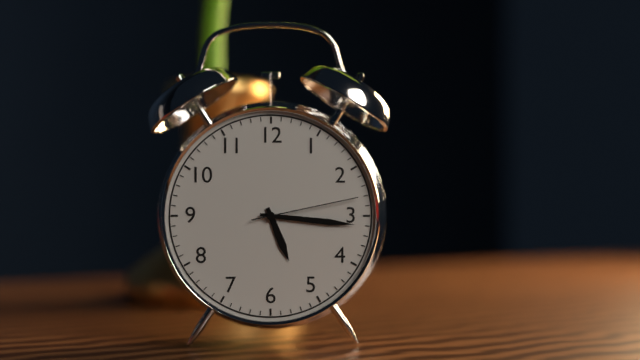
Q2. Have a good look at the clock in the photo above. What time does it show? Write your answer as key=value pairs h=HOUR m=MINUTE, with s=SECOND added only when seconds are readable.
h=5 m=16 s=13
